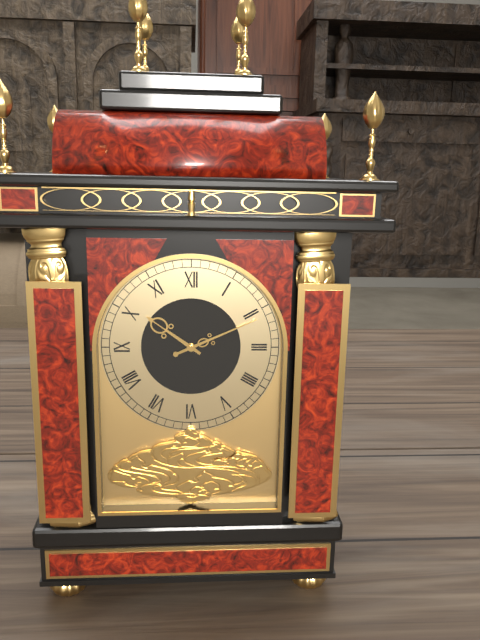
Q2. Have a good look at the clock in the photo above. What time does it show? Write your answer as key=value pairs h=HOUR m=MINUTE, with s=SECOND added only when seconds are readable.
h=10 m=11
